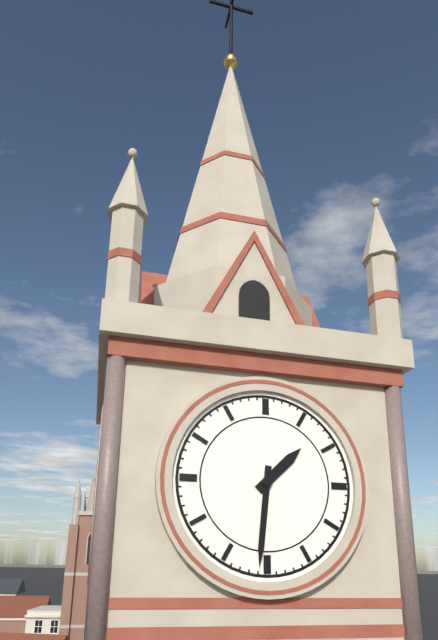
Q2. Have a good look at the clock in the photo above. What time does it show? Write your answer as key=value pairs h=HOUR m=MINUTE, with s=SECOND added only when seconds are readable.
h=1 m=31
